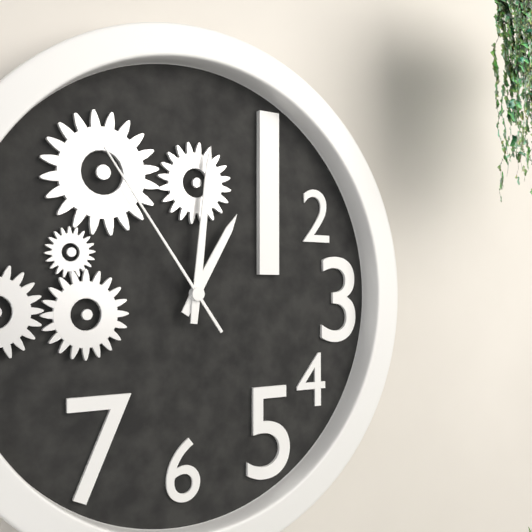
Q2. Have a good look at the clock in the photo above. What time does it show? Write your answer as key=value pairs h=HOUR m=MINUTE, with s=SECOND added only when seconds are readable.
h=1 m=1 s=54
